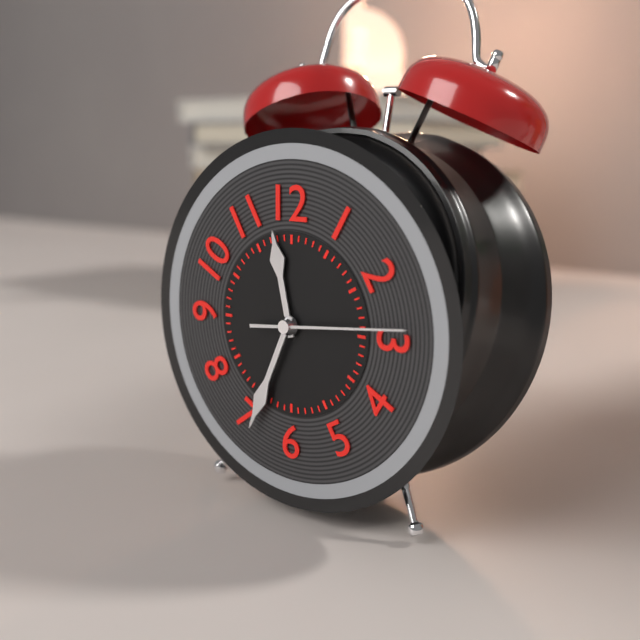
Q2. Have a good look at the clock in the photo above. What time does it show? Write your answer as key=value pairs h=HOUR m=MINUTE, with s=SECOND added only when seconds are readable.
h=11 m=34 s=14
